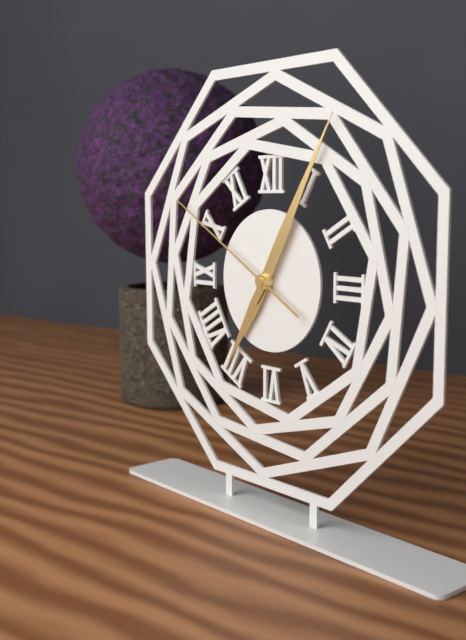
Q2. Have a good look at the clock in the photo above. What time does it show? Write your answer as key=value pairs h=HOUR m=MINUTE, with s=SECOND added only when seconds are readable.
h=7 m=5 s=50
